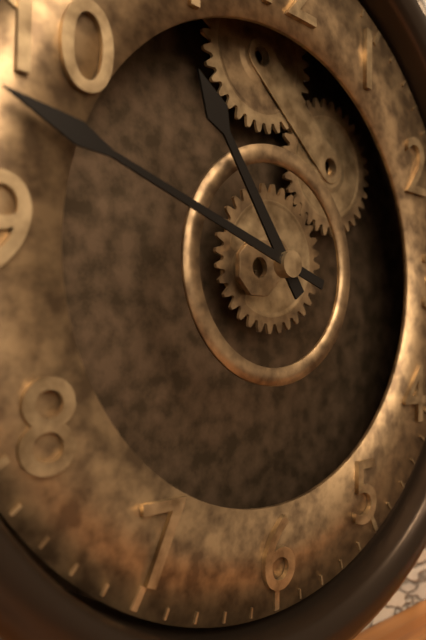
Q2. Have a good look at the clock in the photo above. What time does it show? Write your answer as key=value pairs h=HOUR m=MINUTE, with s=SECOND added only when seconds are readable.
h=10 m=48
